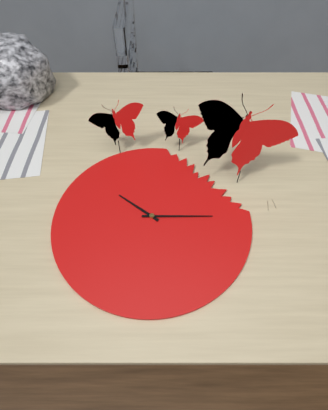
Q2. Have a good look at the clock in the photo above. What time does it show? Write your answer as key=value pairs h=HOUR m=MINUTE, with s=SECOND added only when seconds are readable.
h=10 m=15
